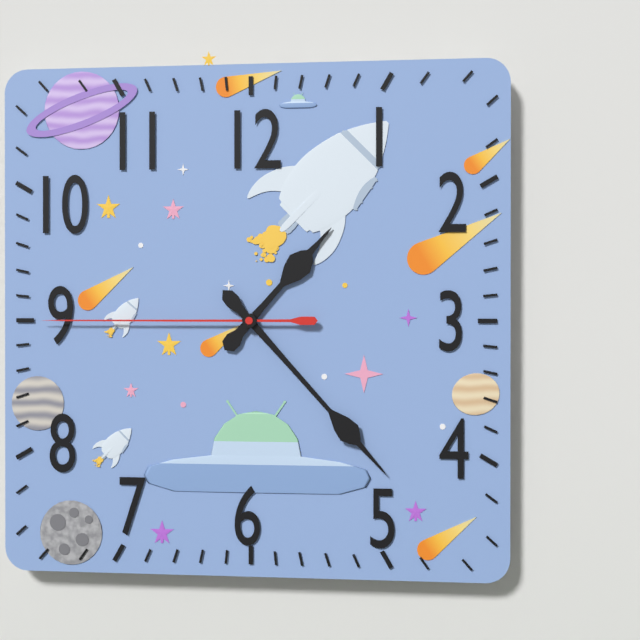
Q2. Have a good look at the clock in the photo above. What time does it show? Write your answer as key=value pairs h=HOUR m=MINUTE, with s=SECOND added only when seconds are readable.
h=1 m=23 s=45
